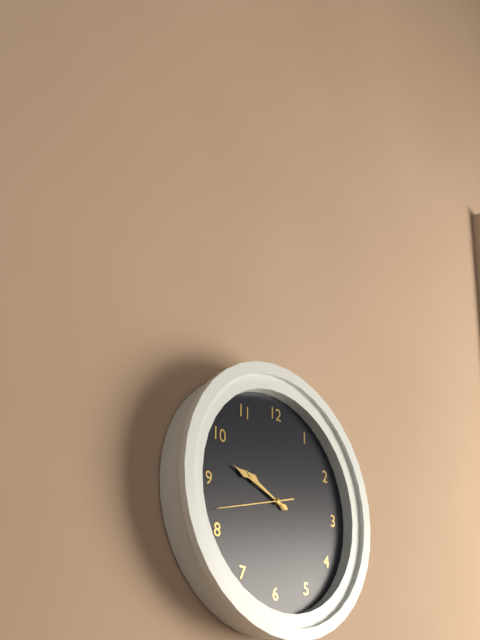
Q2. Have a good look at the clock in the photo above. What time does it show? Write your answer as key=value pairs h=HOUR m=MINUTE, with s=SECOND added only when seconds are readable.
h=9 m=48 s=42
